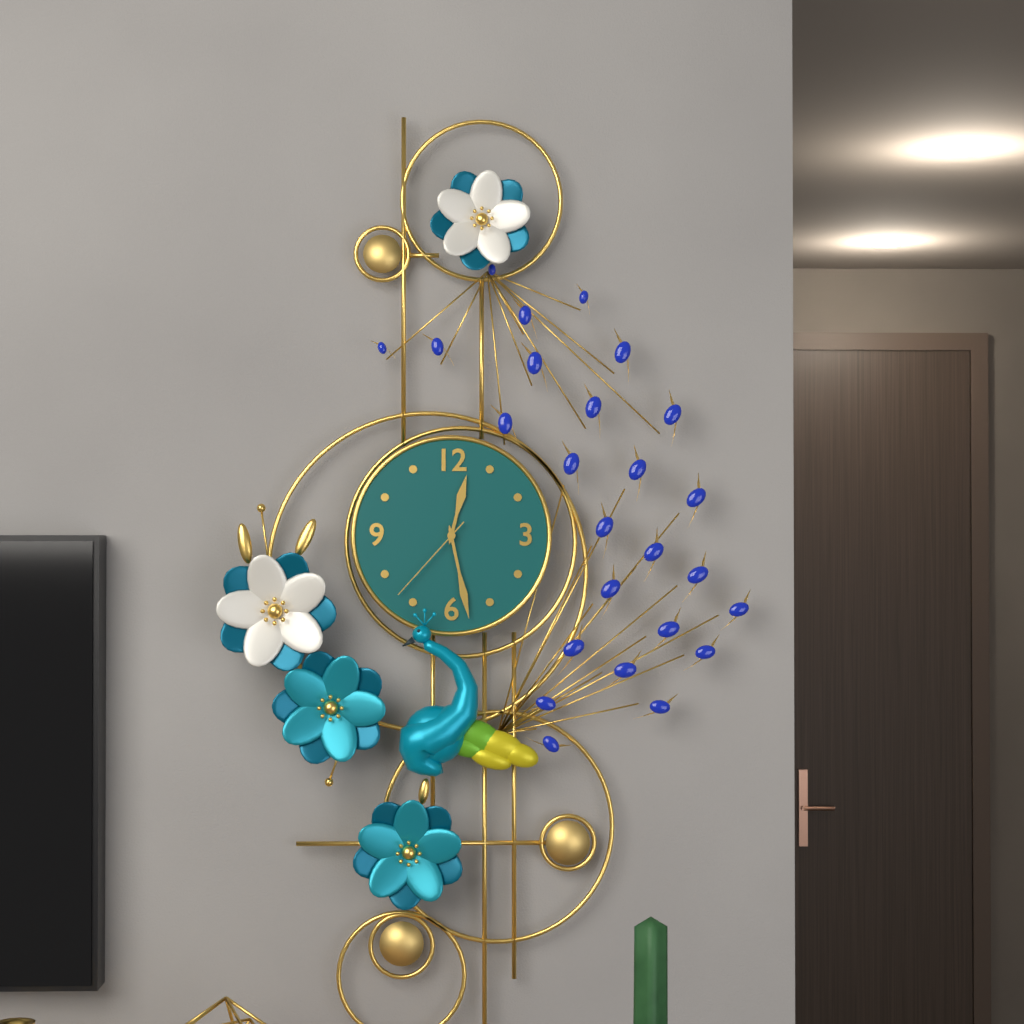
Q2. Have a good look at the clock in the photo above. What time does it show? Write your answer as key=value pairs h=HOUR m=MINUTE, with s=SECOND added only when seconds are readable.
h=12 m=28 s=37
